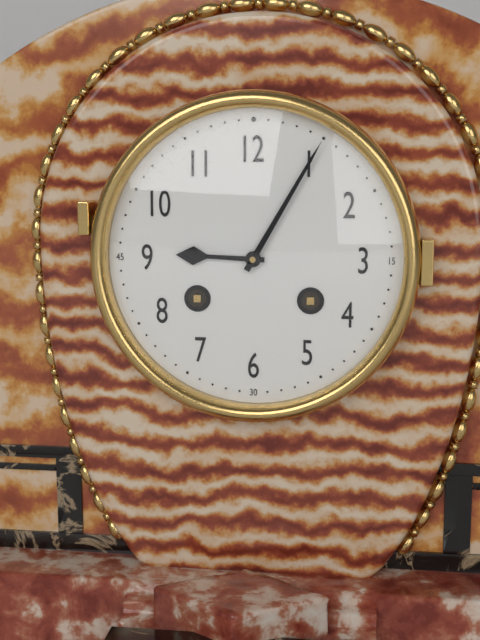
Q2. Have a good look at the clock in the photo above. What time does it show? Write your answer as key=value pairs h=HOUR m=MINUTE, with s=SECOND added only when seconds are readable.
h=9 m=5
